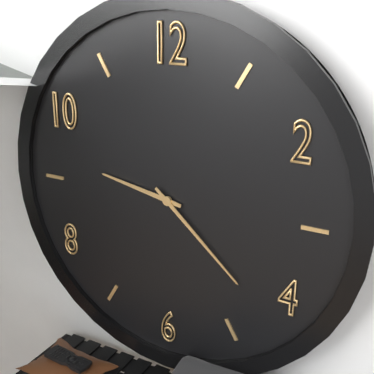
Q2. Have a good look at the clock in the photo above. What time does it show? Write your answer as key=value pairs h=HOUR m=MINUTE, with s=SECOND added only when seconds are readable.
h=9 m=22
